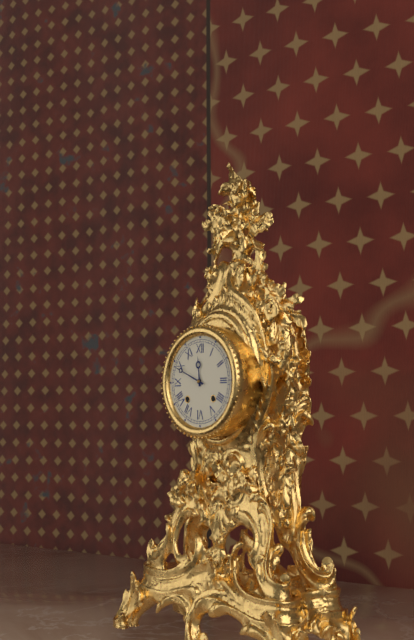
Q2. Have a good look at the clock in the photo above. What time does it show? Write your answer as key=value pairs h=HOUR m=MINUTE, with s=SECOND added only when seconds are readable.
h=11 m=49
